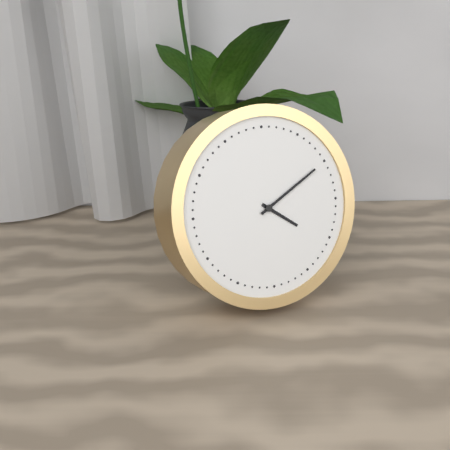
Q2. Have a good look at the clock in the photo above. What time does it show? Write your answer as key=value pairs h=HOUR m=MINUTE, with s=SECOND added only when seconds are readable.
h=4 m=10
